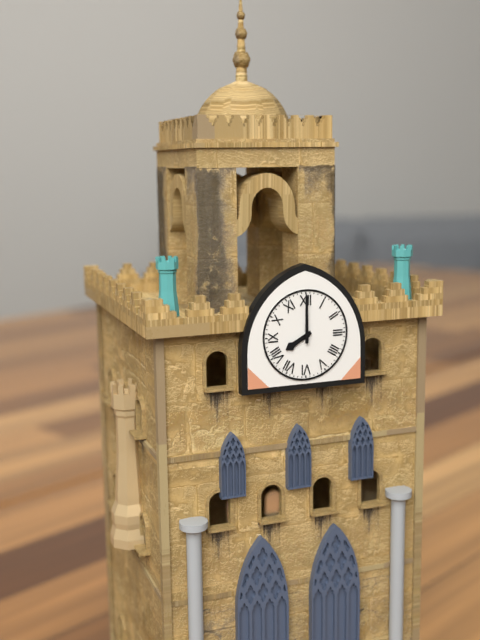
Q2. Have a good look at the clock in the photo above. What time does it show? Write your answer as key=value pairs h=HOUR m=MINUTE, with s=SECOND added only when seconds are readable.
h=8 m=0
